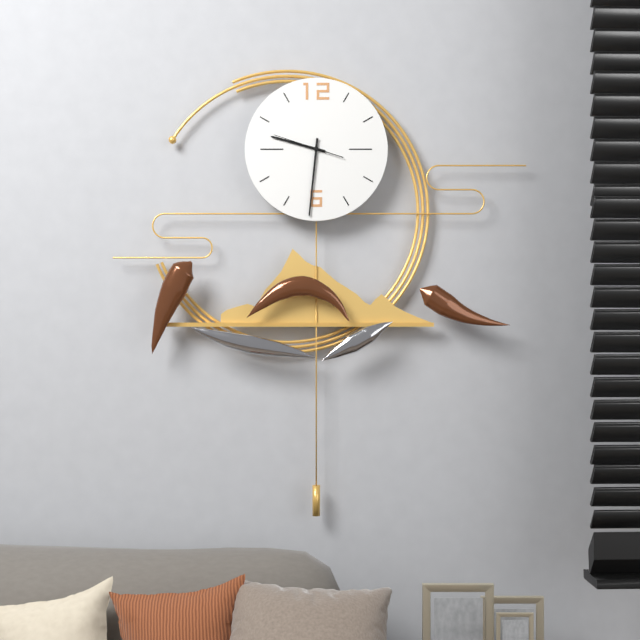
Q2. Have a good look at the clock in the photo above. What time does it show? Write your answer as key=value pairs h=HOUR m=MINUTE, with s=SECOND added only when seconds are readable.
h=9 m=31 s=48
